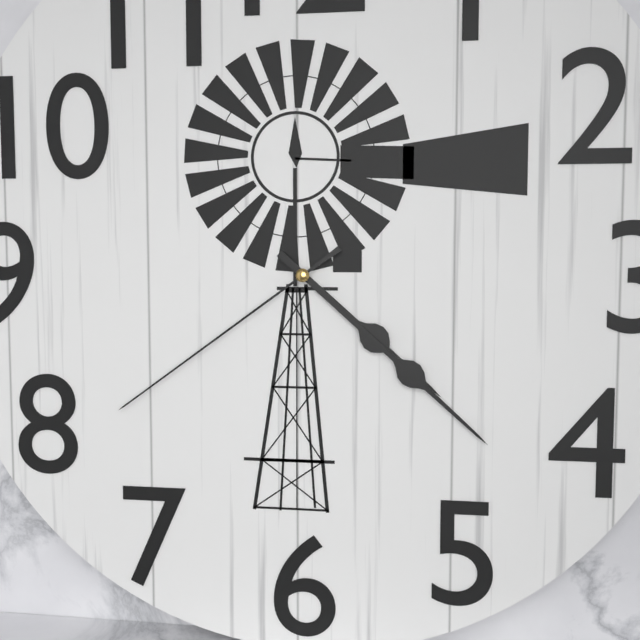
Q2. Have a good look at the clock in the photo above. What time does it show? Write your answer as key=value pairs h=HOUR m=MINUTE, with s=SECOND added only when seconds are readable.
h=4 m=22 s=39
